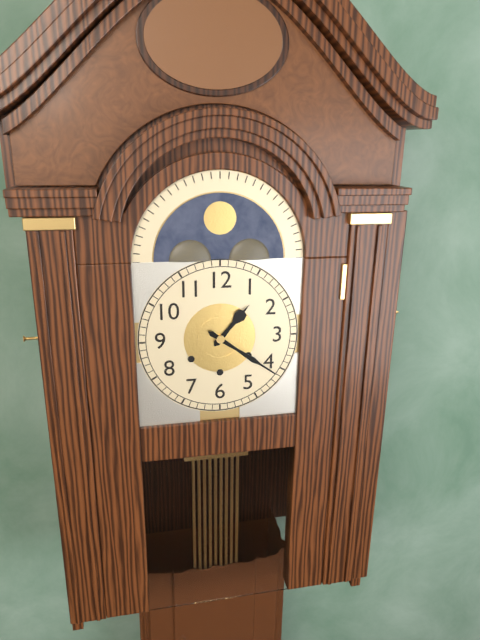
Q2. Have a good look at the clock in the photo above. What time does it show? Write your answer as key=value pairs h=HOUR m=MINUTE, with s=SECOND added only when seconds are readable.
h=1 m=21
